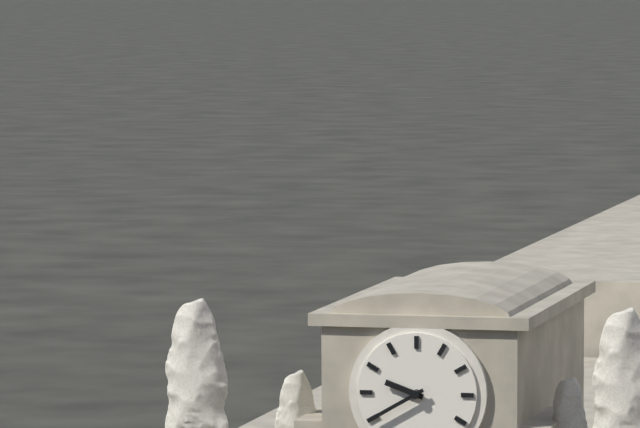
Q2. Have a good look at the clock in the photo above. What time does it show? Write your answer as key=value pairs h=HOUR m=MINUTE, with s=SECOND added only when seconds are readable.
h=9 m=40
